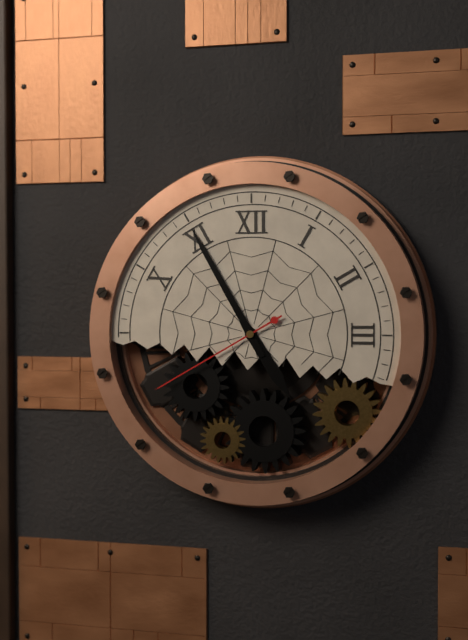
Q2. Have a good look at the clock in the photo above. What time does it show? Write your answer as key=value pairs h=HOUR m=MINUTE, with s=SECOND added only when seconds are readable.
h=4 m=55 s=40
